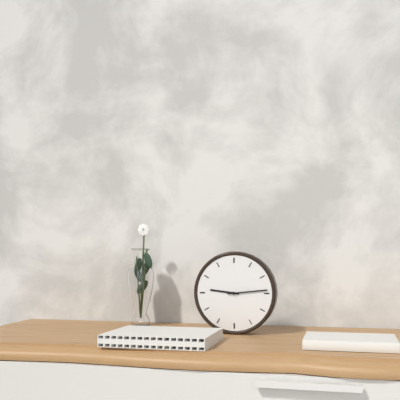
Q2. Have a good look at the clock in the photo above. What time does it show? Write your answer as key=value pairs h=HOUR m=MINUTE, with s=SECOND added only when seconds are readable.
h=9 m=14
